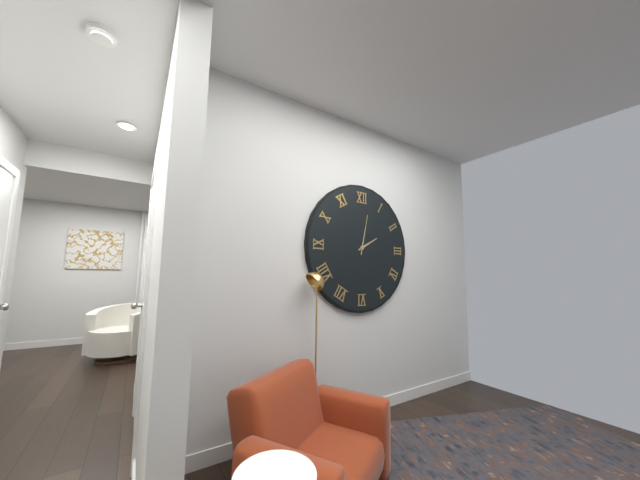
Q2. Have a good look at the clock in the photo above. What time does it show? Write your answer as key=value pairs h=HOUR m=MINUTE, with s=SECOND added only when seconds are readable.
h=2 m=2
